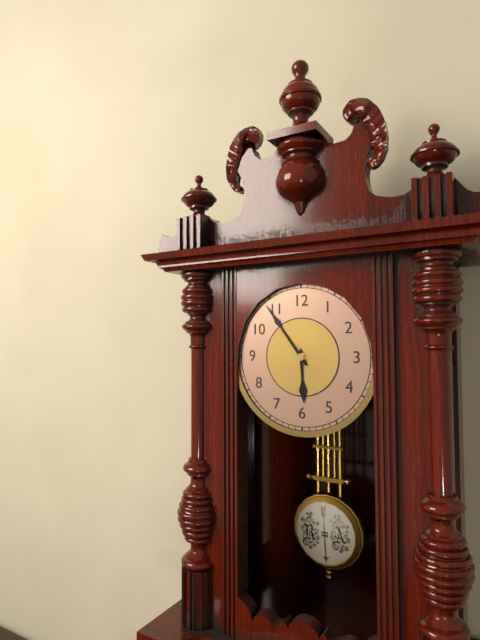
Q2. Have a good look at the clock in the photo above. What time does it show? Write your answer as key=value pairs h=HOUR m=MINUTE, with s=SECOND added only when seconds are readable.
h=5 m=54
